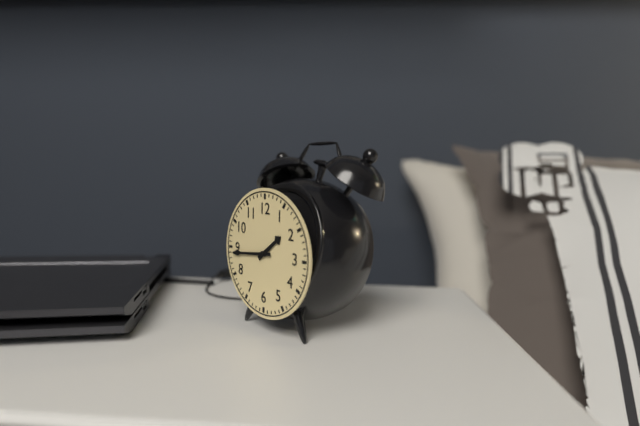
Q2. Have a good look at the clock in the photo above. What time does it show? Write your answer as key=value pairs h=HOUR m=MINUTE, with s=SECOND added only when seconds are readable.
h=1 m=44
